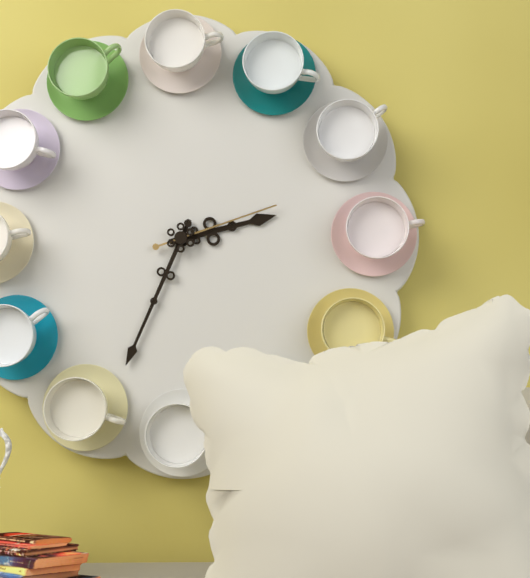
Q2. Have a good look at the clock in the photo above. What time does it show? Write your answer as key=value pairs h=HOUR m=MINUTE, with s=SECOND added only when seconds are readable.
h=2 m=34 s=12
